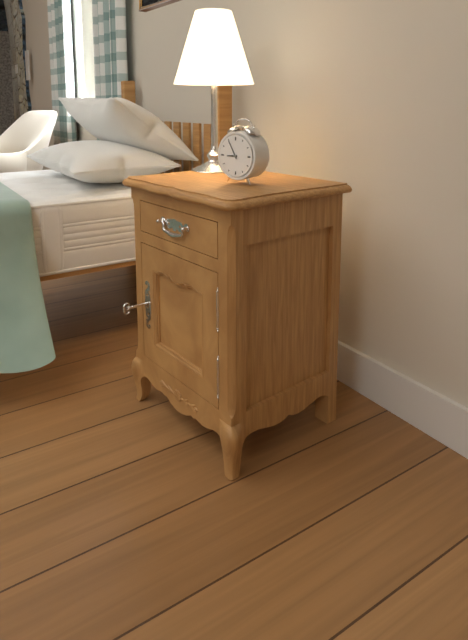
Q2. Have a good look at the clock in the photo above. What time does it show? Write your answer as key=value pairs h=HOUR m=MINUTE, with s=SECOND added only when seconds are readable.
h=8 m=55
